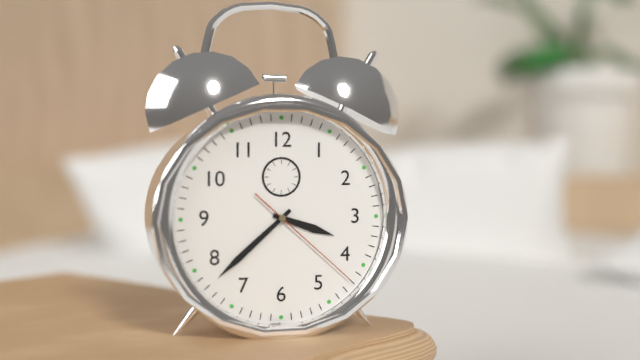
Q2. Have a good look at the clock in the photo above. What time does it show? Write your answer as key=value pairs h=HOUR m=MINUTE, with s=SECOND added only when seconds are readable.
h=3 m=38 s=22
